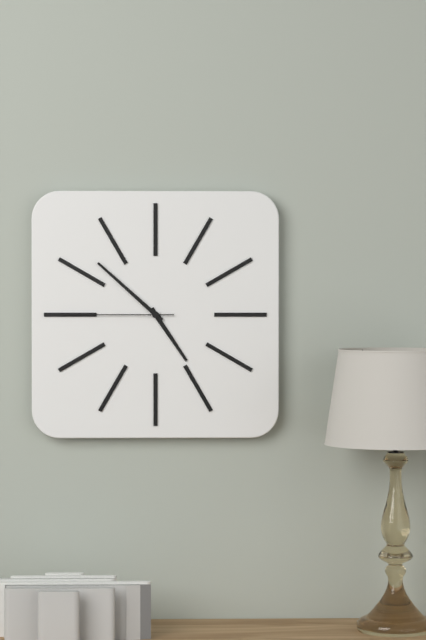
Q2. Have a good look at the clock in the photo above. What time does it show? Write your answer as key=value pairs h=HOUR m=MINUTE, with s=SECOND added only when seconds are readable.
h=4 m=52 s=45
